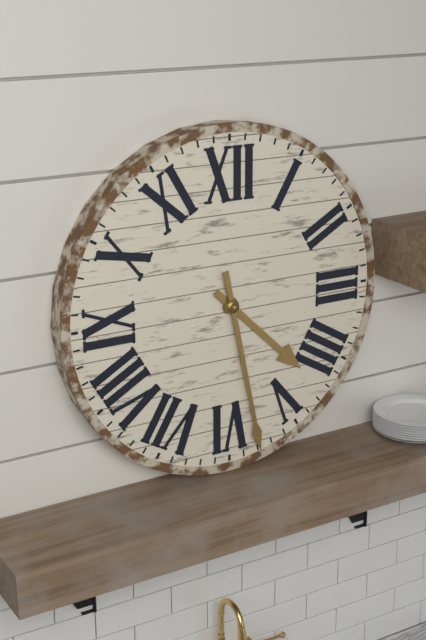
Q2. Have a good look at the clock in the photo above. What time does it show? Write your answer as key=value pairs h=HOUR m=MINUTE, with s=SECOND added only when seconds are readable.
h=4 m=28
